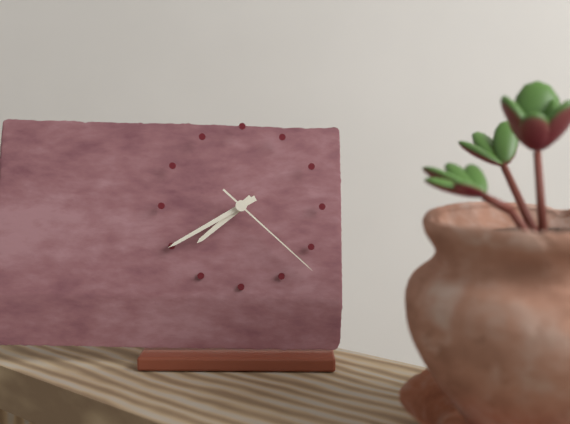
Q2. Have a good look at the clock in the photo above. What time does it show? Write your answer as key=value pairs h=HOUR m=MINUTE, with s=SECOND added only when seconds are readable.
h=7 m=40 s=22
